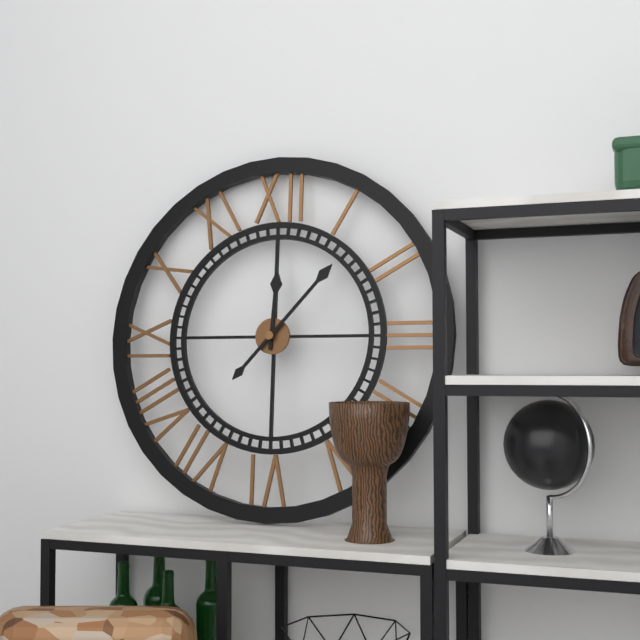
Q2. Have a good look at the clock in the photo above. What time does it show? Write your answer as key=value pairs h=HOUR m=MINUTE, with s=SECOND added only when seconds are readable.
h=12 m=7
